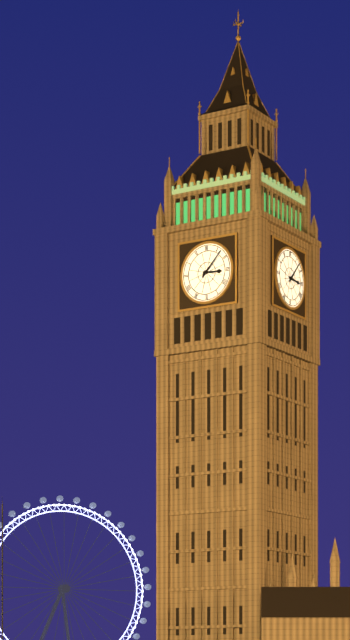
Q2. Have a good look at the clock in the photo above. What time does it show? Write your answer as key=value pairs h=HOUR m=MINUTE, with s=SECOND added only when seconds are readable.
h=3 m=7
